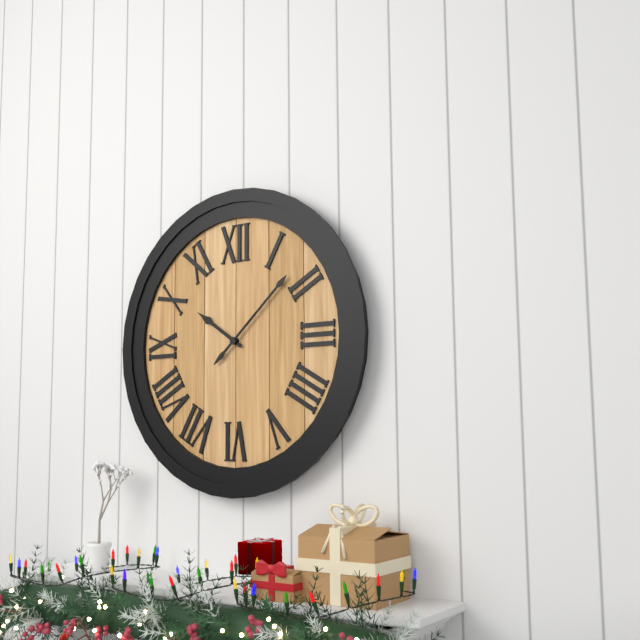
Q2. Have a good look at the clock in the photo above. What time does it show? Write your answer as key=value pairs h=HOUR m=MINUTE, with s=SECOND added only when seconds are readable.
h=10 m=8
